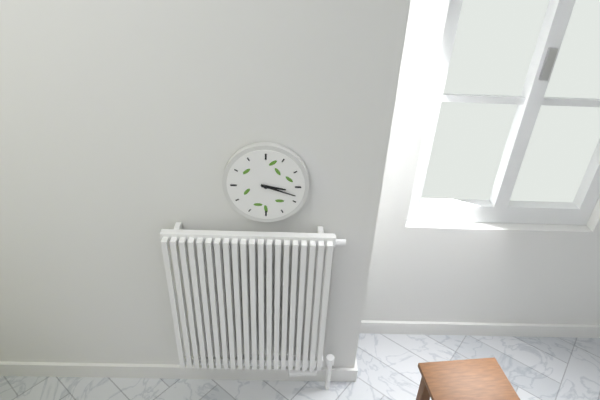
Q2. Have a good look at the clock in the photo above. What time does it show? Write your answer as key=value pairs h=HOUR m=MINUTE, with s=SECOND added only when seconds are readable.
h=3 m=18
